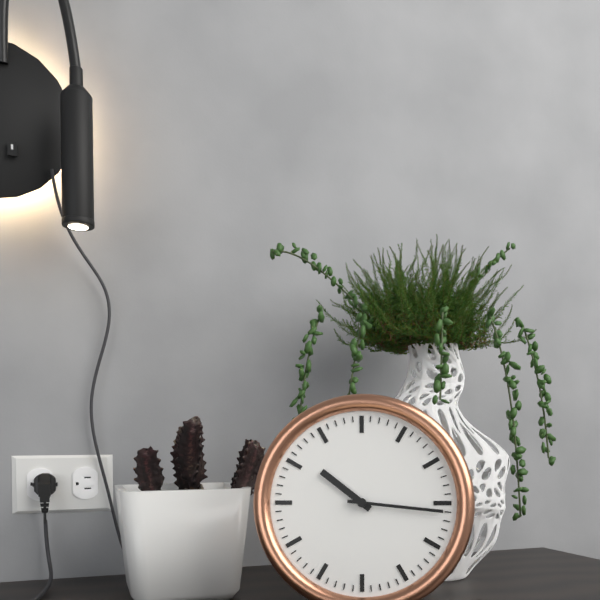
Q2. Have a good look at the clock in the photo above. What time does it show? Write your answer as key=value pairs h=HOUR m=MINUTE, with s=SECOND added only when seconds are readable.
h=10 m=16
